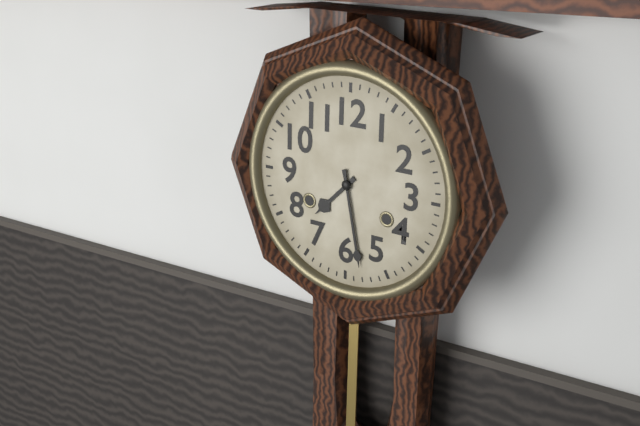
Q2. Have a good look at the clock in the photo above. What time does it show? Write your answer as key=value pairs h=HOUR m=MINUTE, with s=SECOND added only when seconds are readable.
h=7 m=28
